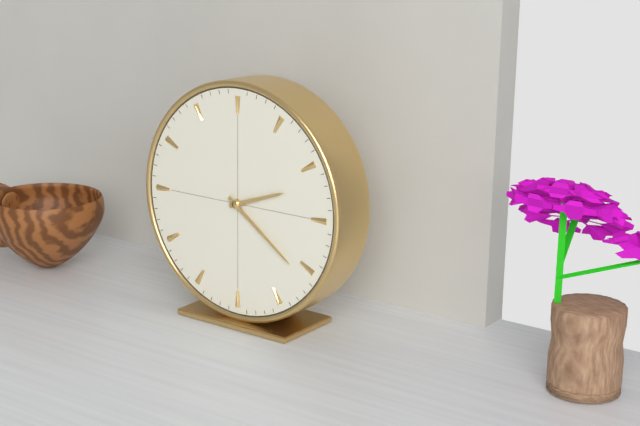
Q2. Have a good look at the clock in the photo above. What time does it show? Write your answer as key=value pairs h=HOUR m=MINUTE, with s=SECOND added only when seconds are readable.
h=2 m=21
